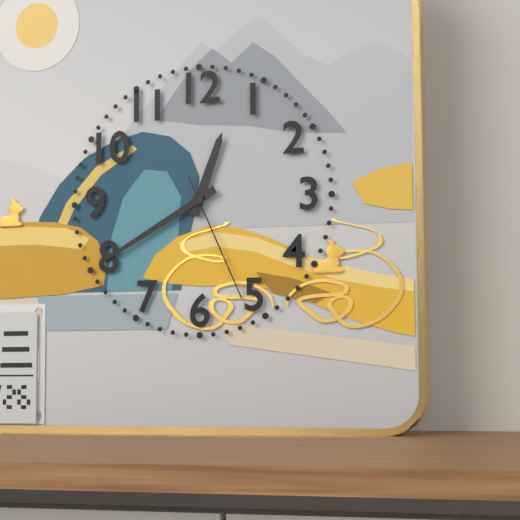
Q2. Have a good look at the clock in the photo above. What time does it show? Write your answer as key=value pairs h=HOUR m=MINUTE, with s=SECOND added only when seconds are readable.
h=12 m=40 s=26
